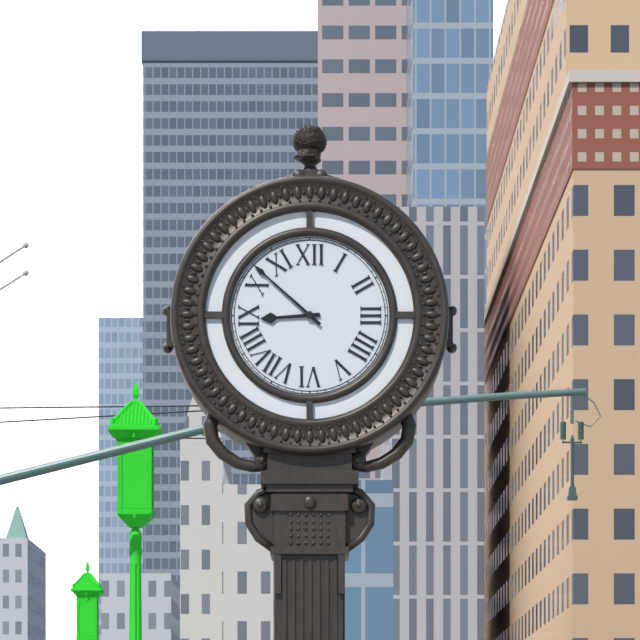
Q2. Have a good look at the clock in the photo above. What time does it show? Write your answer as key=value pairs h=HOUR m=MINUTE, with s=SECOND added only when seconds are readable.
h=8 m=52
